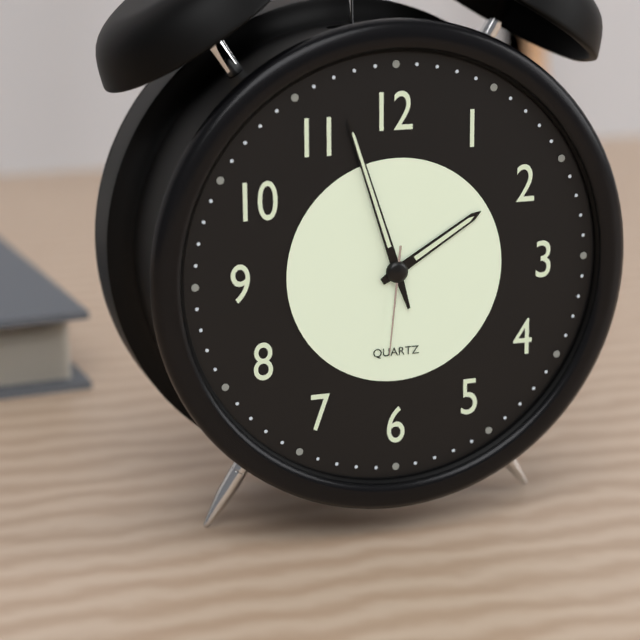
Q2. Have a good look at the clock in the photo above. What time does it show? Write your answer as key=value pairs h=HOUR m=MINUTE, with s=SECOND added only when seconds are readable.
h=1 m=57 s=31
